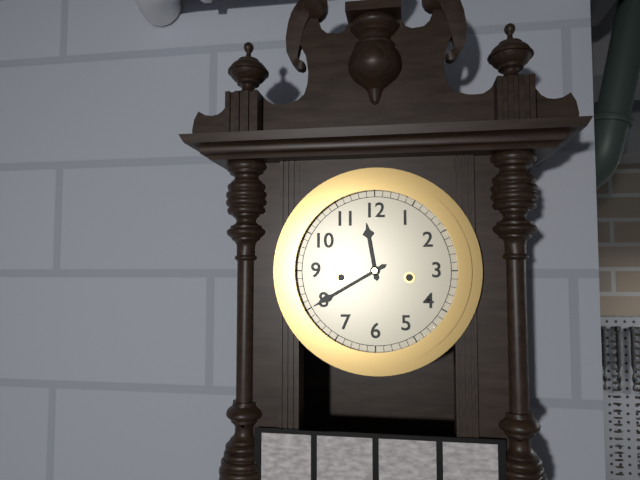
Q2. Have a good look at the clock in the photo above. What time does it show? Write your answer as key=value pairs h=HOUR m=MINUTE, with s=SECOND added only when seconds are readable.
h=11 m=40
